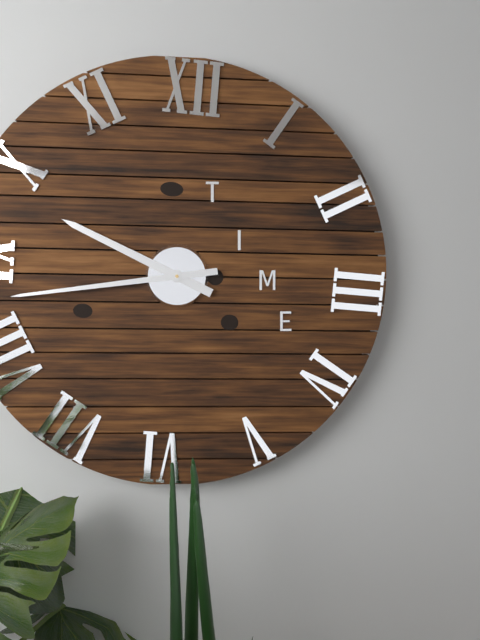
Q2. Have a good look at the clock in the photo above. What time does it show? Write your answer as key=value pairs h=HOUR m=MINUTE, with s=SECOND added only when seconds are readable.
h=9 m=43
